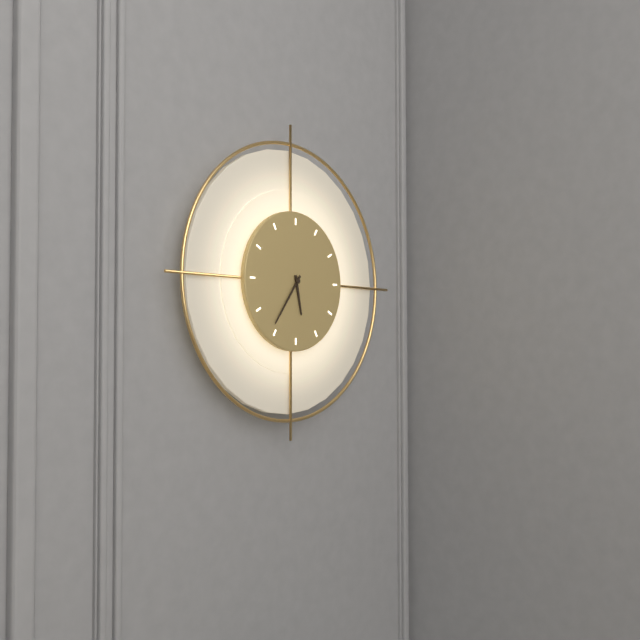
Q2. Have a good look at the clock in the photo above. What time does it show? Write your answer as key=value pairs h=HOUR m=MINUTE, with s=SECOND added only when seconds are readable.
h=5 m=36
